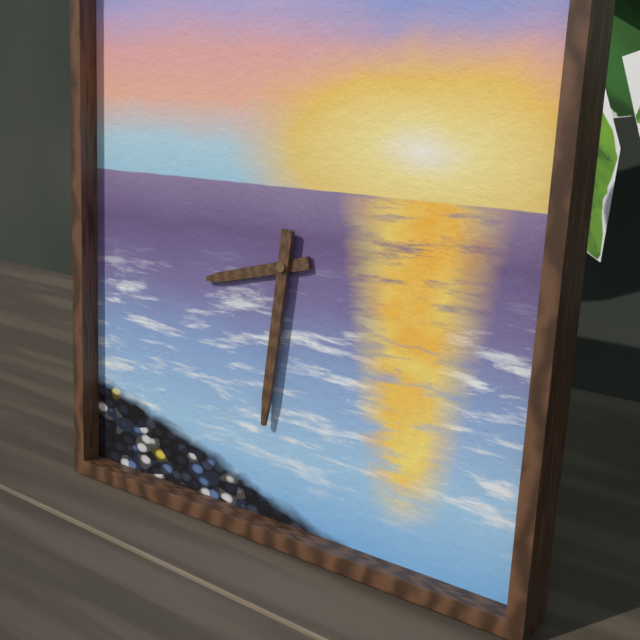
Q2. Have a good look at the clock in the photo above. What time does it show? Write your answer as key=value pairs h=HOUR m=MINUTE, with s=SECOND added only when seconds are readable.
h=8 m=31
